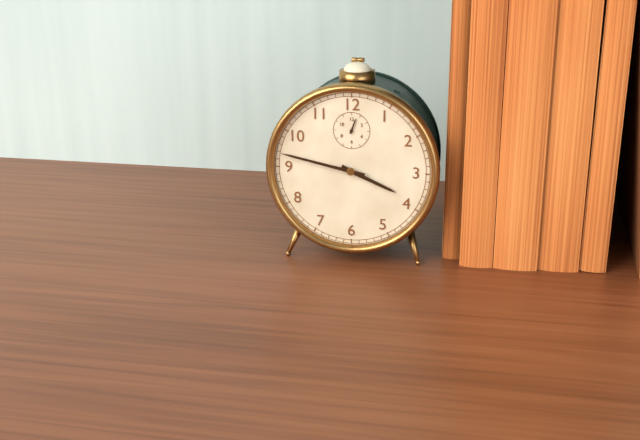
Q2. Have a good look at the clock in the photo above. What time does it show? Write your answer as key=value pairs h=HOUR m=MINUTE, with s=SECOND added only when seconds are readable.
h=3 m=47
